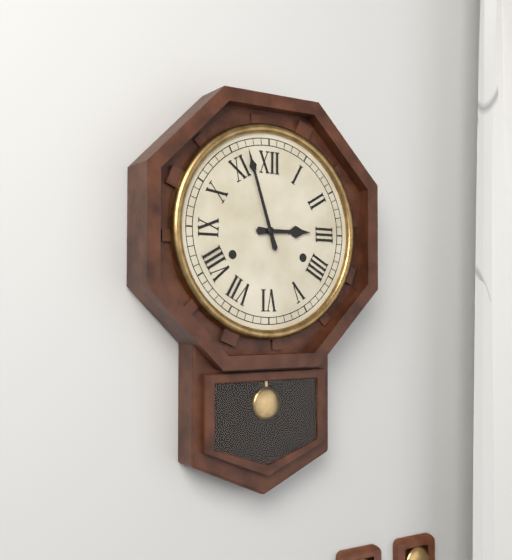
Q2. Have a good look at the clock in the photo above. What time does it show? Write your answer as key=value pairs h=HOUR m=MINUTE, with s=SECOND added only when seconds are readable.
h=2 m=57
